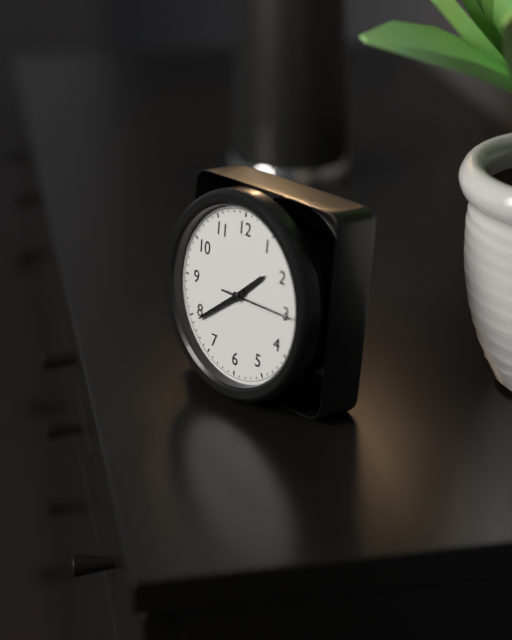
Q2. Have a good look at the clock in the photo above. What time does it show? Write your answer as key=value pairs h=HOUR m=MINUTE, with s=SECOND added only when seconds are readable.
h=1 m=39
